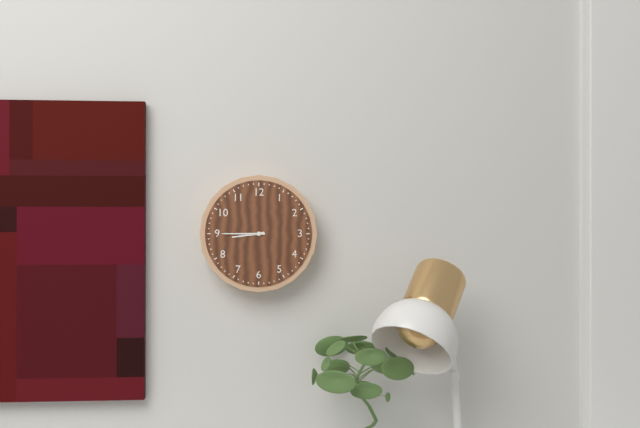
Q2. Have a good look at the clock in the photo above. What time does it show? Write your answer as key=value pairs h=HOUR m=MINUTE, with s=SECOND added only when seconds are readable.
h=8 m=45
